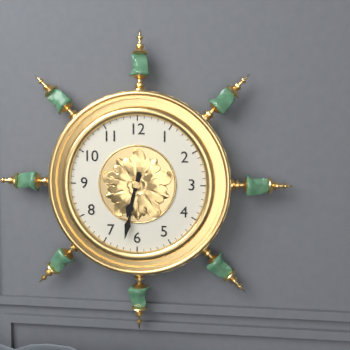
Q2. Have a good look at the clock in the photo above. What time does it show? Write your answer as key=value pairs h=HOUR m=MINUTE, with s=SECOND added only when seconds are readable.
h=6 m=32
